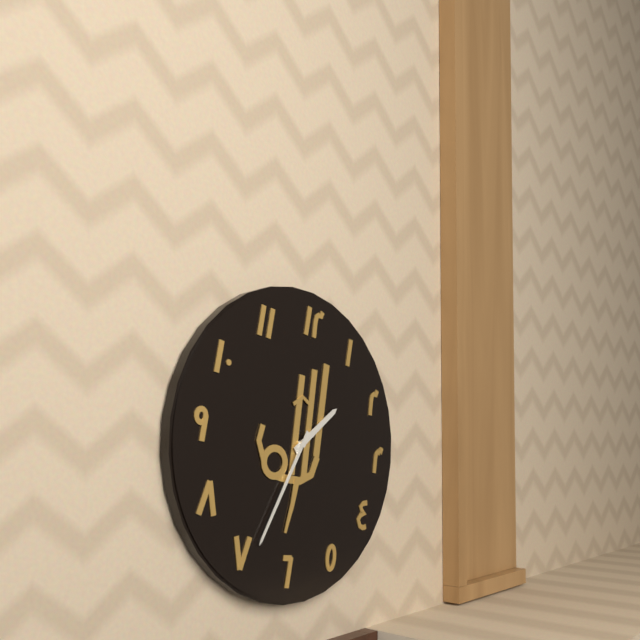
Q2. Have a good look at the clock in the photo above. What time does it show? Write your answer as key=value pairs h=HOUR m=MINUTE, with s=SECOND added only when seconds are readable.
h=1 m=34
